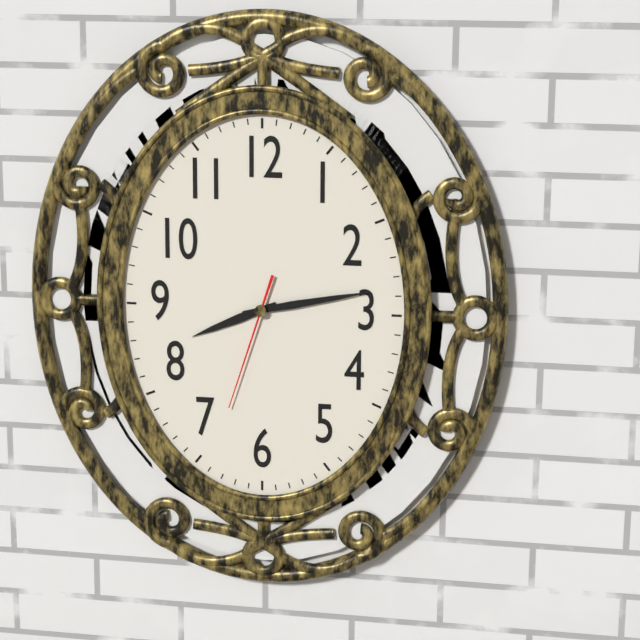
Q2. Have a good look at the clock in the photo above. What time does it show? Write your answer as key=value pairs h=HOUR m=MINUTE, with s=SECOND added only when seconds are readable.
h=8 m=13 s=33
